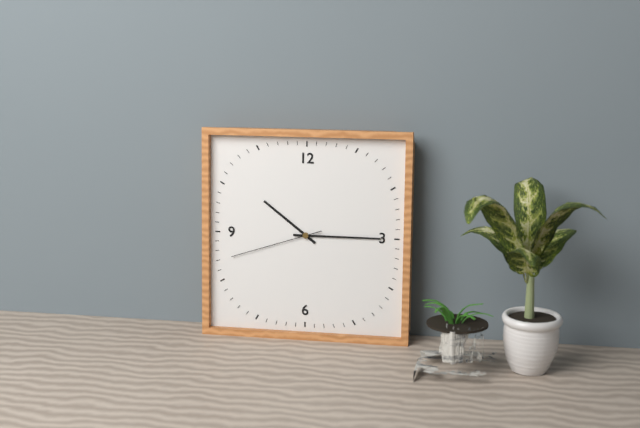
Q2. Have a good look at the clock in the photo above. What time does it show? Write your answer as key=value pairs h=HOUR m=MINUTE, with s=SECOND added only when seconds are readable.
h=10 m=15 s=42
